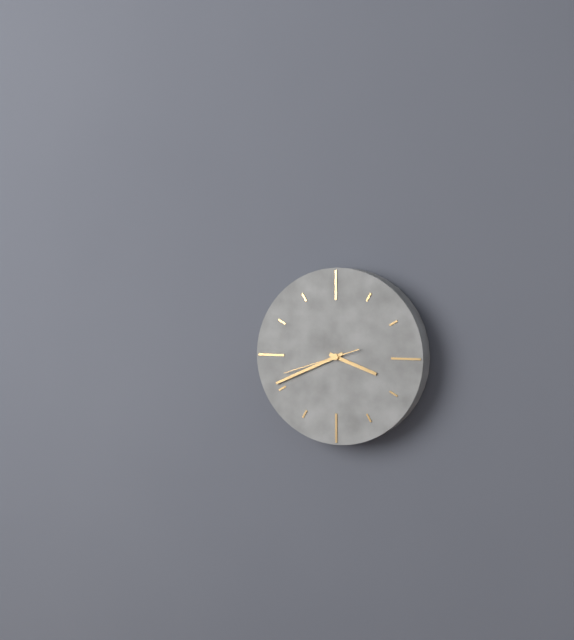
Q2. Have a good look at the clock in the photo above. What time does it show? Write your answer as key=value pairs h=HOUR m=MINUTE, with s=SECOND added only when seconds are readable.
h=3 m=41 s=42
